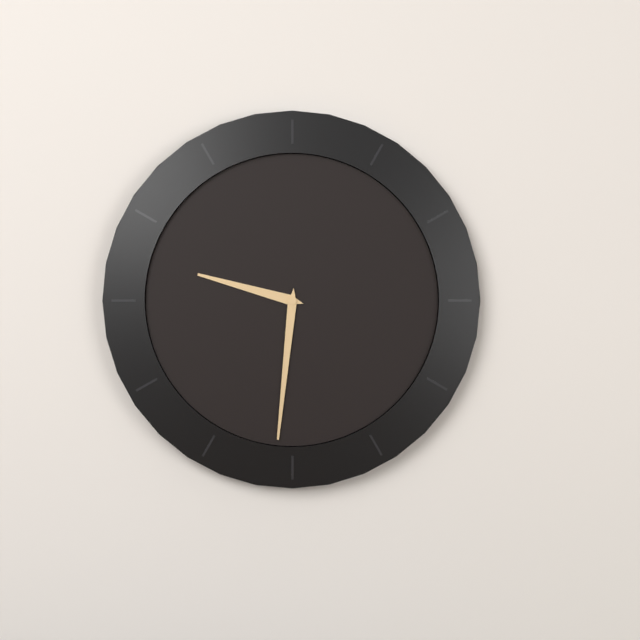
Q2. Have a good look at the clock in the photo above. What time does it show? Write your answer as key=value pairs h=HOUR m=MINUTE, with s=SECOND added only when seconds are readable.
h=9 m=31
